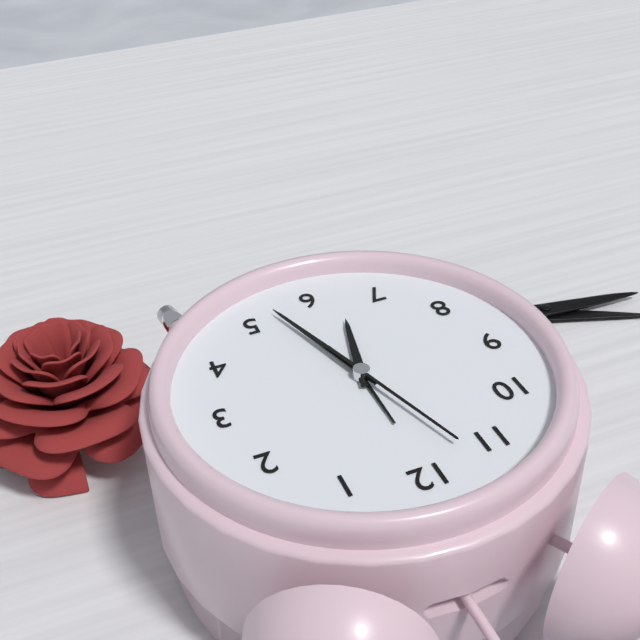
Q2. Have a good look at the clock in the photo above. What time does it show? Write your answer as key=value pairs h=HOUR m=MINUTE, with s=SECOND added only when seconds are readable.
h=6 m=27 s=57
